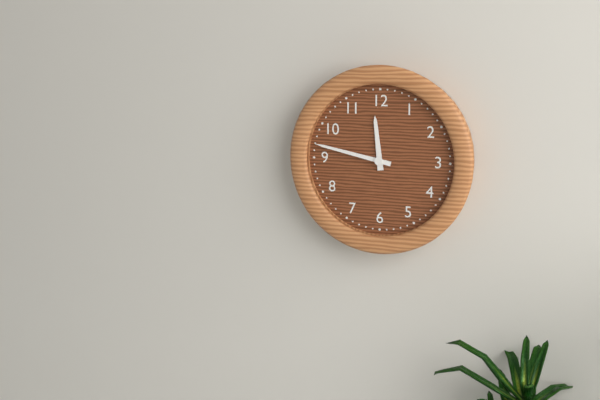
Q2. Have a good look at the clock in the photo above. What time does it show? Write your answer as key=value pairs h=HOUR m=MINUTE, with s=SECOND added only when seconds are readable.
h=11 m=47
